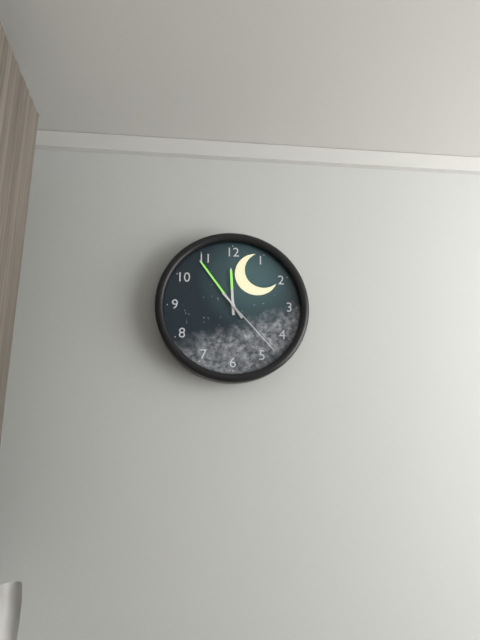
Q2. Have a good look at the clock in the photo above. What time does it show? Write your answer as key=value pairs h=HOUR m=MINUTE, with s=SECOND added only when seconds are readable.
h=11 m=54 s=23
